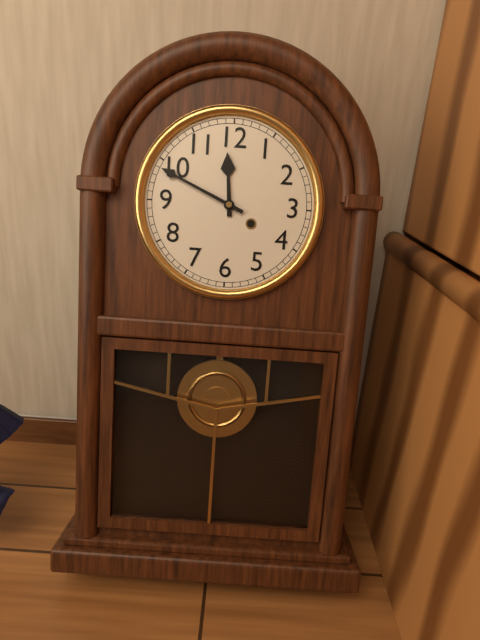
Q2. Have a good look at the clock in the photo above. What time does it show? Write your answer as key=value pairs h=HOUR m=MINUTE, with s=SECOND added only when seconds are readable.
h=11 m=49
